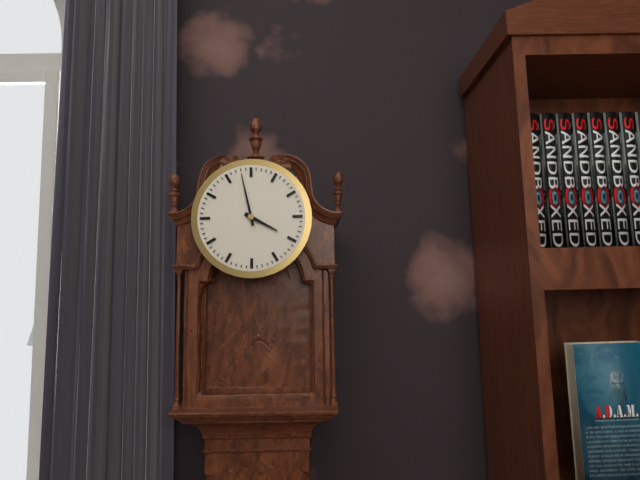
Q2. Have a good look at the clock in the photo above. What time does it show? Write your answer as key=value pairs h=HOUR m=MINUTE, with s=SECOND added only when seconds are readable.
h=3 m=58
